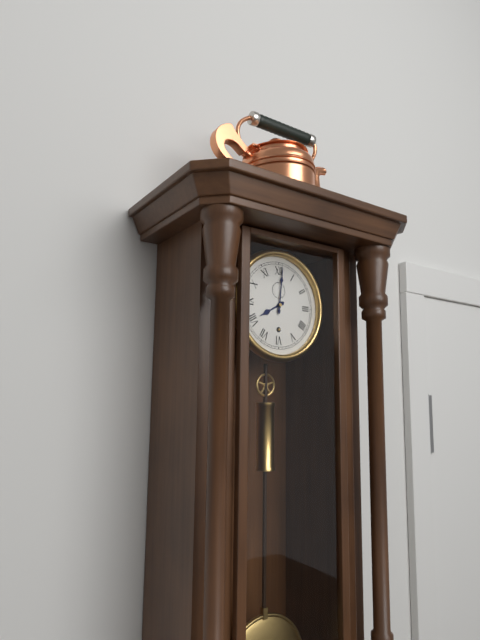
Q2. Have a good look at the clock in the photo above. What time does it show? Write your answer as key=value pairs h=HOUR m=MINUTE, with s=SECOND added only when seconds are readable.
h=8 m=1
